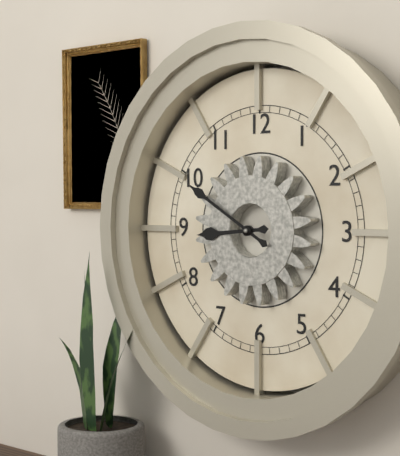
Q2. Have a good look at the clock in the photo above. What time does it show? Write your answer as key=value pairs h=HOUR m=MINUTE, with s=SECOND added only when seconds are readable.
h=8 m=50
